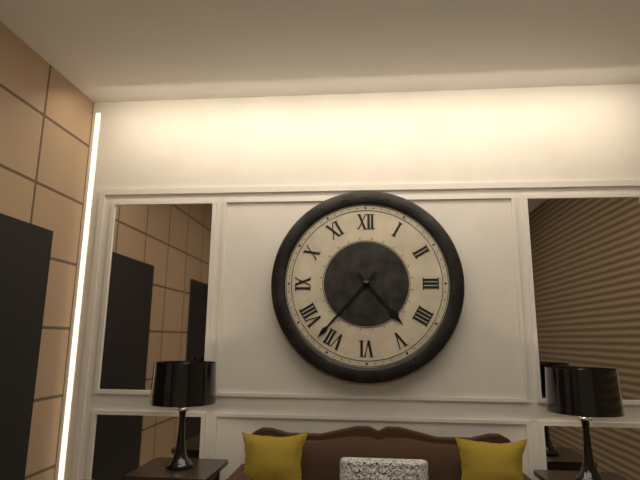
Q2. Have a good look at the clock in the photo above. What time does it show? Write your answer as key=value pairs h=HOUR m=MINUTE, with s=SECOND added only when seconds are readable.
h=4 m=37
